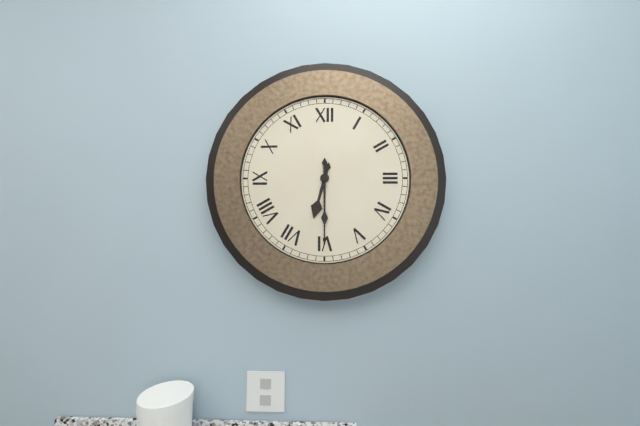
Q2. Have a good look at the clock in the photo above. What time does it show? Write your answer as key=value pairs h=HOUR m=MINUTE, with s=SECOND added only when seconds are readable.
h=6 m=30
